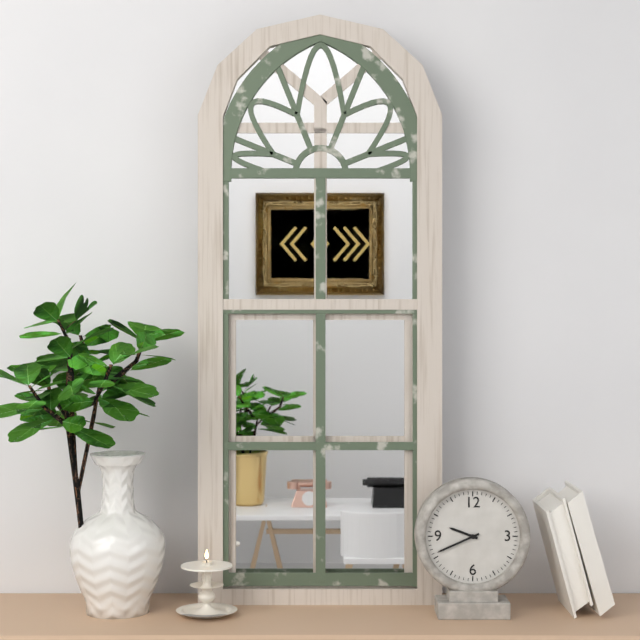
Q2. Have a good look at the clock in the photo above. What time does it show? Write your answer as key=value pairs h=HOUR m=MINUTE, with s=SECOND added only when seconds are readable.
h=9 m=41
